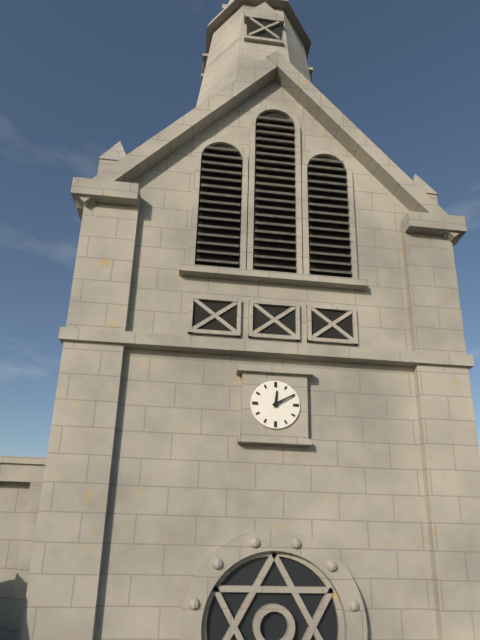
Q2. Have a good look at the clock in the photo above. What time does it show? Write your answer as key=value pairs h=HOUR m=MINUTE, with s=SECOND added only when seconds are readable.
h=12 m=10
